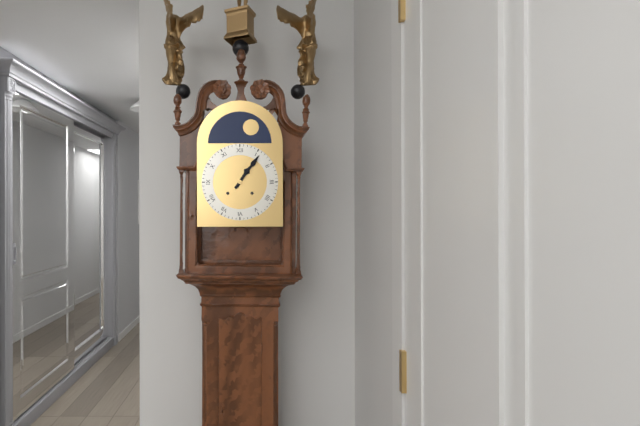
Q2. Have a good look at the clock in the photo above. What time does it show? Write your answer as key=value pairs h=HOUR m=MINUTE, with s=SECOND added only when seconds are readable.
h=1 m=6
